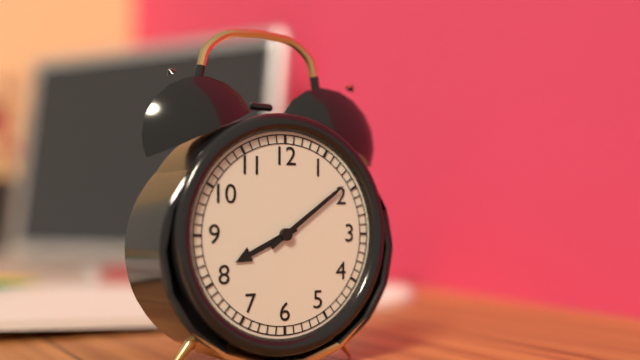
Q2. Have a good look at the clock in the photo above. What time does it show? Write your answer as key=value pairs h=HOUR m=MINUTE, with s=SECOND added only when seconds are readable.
h=8 m=9
